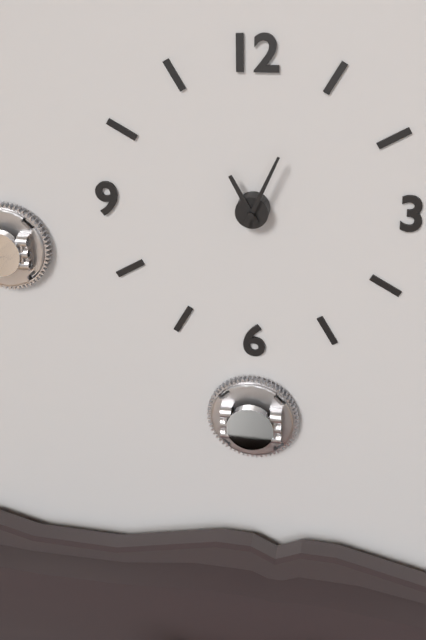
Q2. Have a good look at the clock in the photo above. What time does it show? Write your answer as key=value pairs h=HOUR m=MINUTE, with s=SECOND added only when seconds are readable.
h=11 m=4
